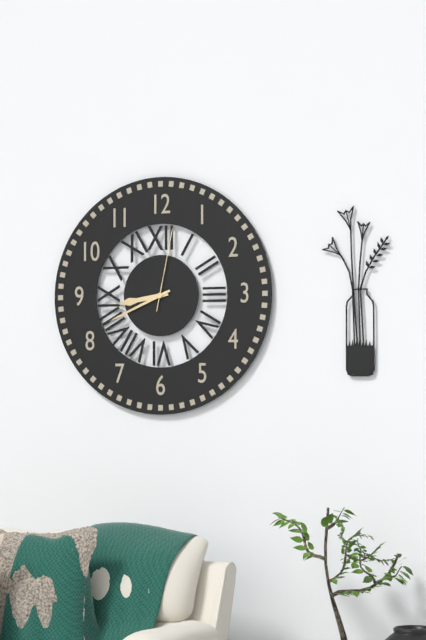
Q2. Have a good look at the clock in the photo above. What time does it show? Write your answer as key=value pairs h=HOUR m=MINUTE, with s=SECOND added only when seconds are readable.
h=8 m=41 s=2
